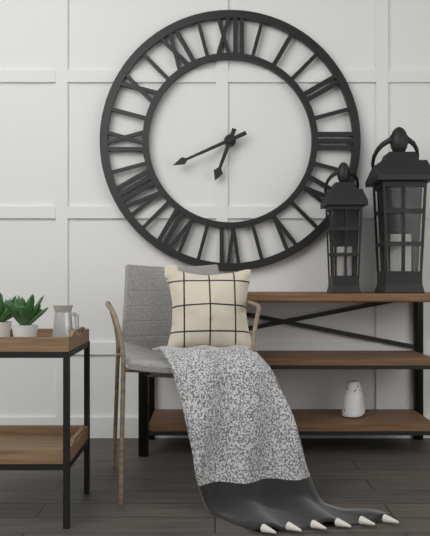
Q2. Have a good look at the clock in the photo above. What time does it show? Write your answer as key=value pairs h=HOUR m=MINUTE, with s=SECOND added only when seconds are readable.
h=6 m=41
